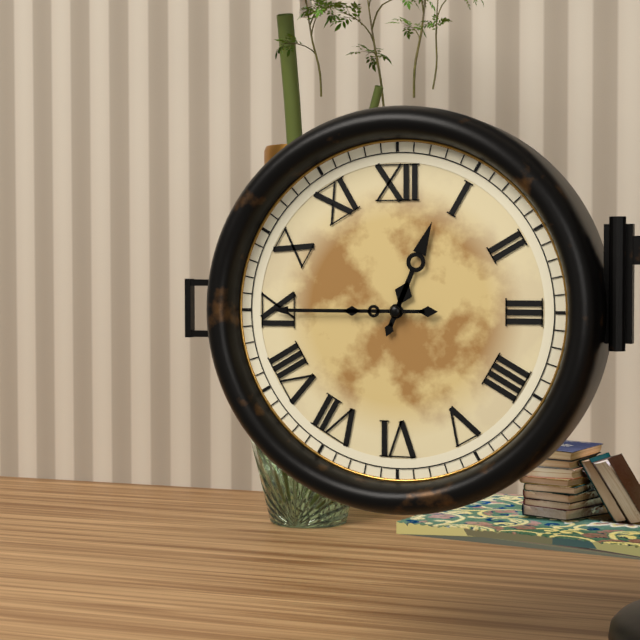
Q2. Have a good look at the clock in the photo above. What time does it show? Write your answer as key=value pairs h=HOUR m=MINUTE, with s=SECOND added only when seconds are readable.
h=12 m=45
